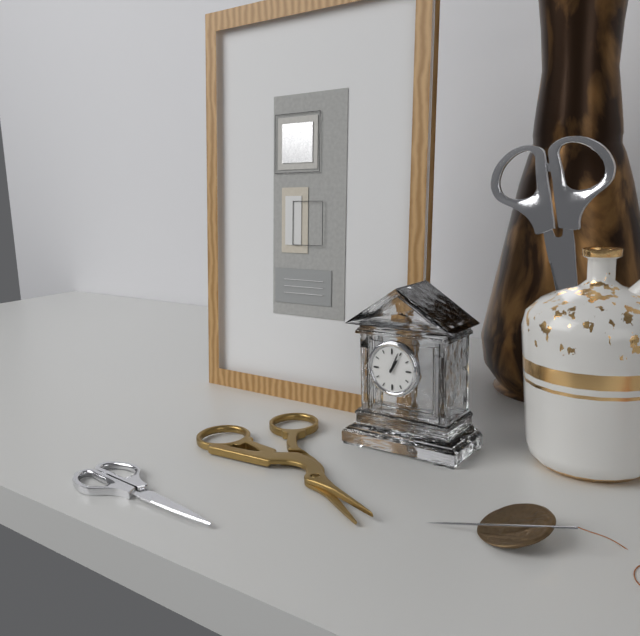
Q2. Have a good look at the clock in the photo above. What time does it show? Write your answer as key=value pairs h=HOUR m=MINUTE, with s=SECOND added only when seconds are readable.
h=1 m=4
